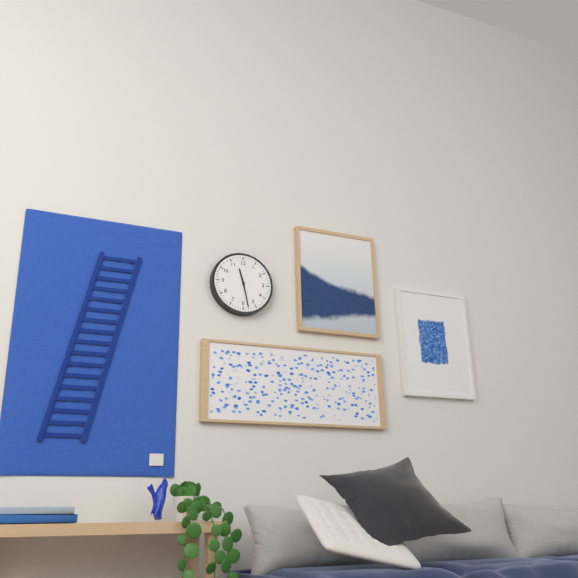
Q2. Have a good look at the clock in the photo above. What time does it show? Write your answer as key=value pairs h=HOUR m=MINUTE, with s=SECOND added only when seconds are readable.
h=11 m=28
